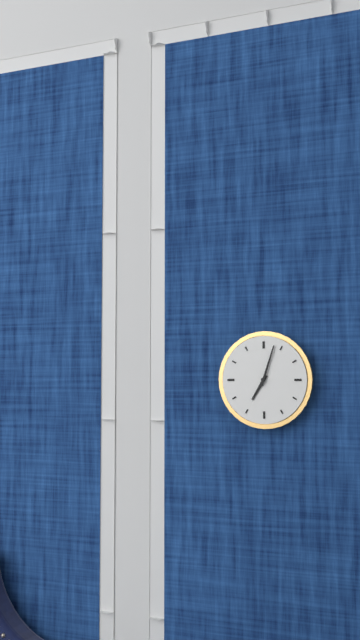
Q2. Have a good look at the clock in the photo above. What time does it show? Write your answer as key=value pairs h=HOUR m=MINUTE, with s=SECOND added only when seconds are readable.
h=7 m=3
